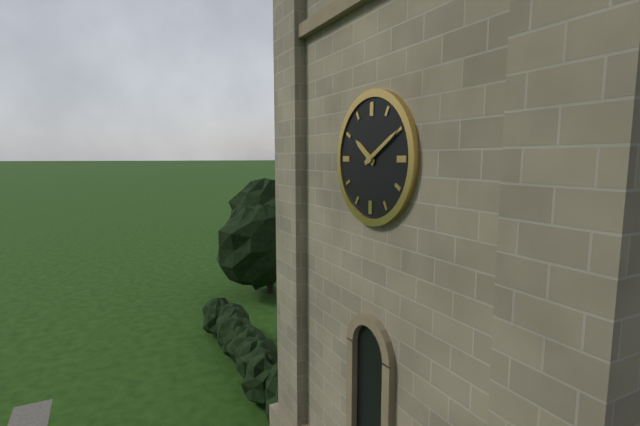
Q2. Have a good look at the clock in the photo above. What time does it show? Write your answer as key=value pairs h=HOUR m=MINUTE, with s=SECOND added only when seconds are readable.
h=10 m=10
